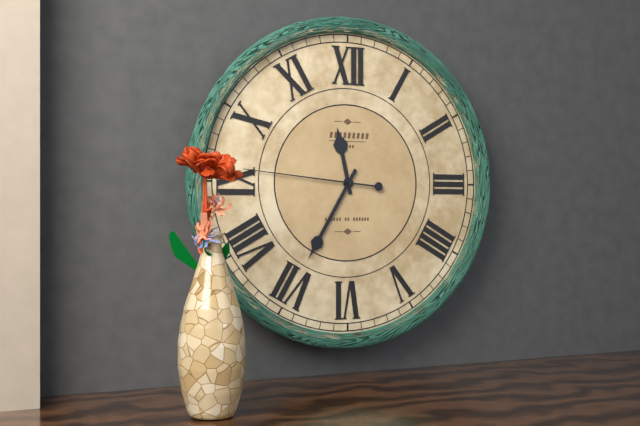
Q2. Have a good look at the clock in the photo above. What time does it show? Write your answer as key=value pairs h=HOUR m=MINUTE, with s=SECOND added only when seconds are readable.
h=11 m=35 s=46
